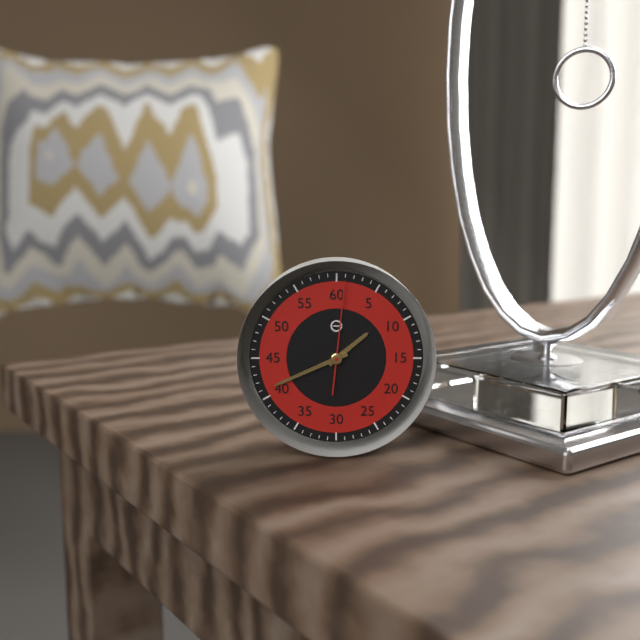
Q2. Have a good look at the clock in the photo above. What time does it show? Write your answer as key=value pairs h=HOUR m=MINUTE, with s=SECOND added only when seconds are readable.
h=1 m=41 s=1
